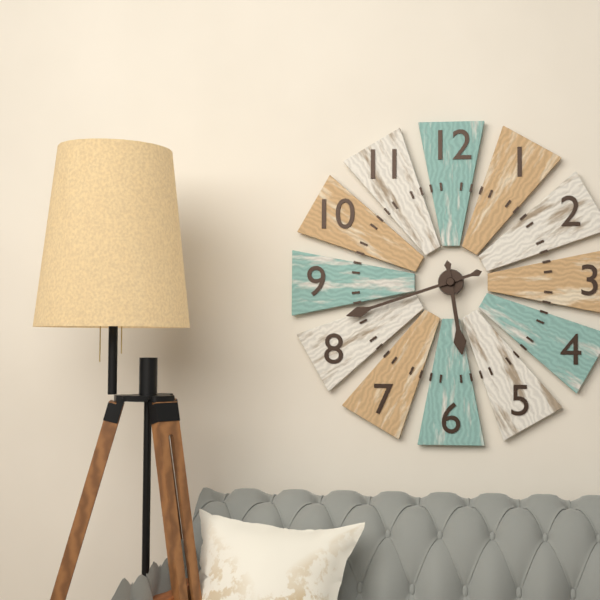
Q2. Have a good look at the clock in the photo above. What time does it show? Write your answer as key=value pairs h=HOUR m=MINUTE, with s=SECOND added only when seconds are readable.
h=5 m=42
